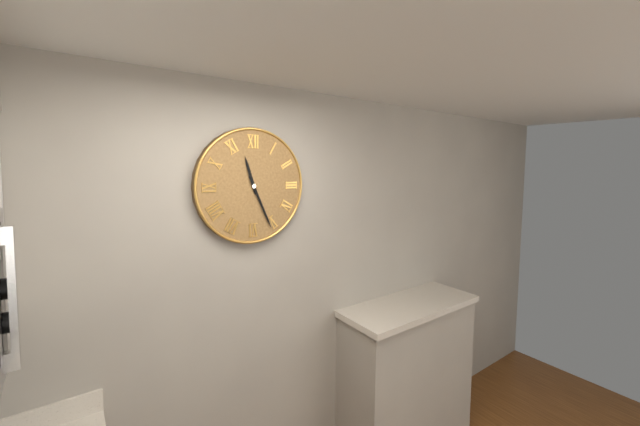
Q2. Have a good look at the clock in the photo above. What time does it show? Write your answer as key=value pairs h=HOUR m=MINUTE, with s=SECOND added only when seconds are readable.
h=11 m=26
